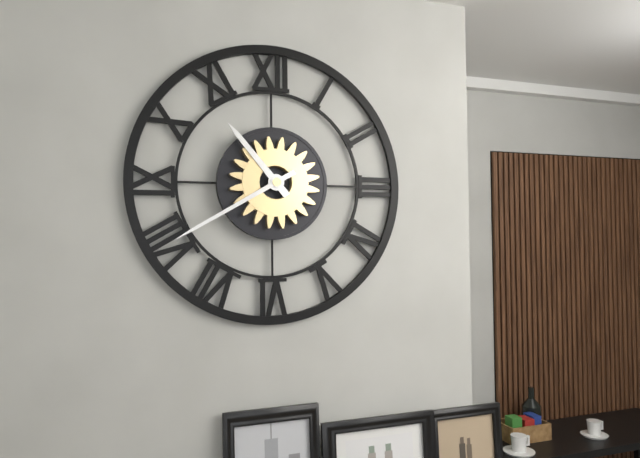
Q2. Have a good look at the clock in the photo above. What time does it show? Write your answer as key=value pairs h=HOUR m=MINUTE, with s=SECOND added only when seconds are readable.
h=10 m=40
